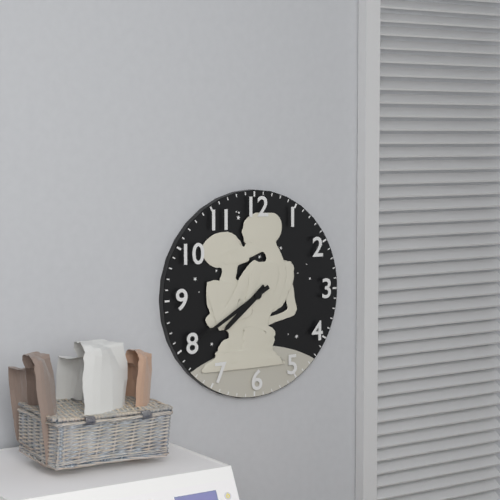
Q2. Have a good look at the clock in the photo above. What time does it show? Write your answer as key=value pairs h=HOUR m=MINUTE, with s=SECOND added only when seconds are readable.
h=7 m=40
